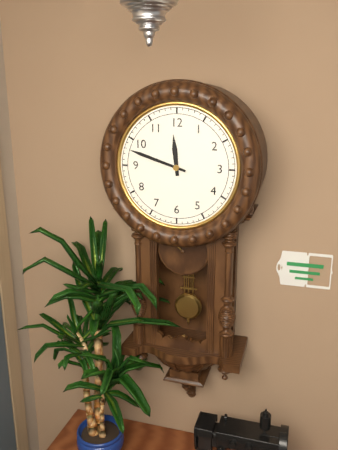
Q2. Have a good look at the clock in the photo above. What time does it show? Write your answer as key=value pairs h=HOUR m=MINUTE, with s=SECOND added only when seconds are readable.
h=11 m=48
